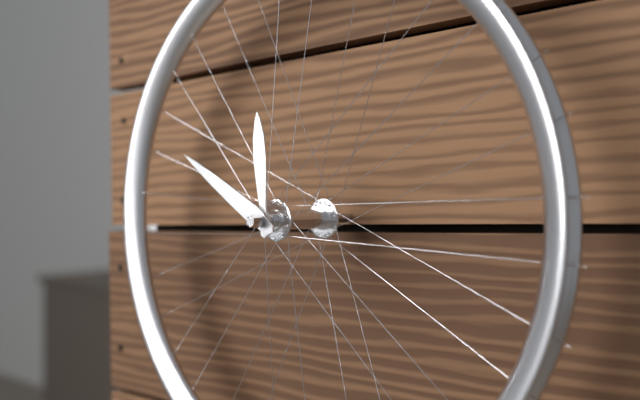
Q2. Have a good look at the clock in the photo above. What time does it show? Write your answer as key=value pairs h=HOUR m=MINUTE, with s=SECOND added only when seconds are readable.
h=11 m=50
